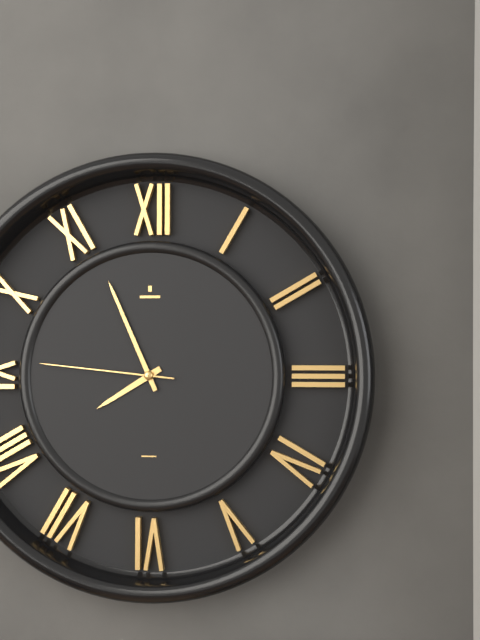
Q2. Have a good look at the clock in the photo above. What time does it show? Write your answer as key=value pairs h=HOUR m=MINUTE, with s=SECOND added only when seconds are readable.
h=7 m=56 s=46
